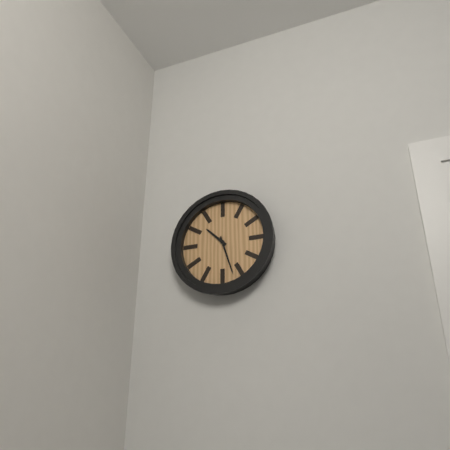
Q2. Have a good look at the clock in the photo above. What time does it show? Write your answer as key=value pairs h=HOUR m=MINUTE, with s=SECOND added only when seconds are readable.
h=10 m=27
